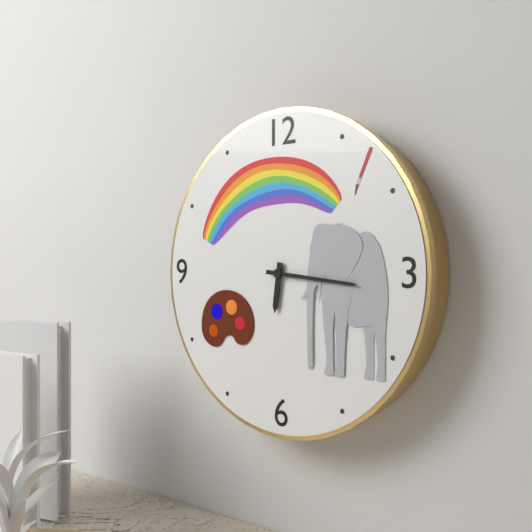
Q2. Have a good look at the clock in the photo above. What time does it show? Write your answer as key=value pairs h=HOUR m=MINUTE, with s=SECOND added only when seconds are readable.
h=6 m=16
